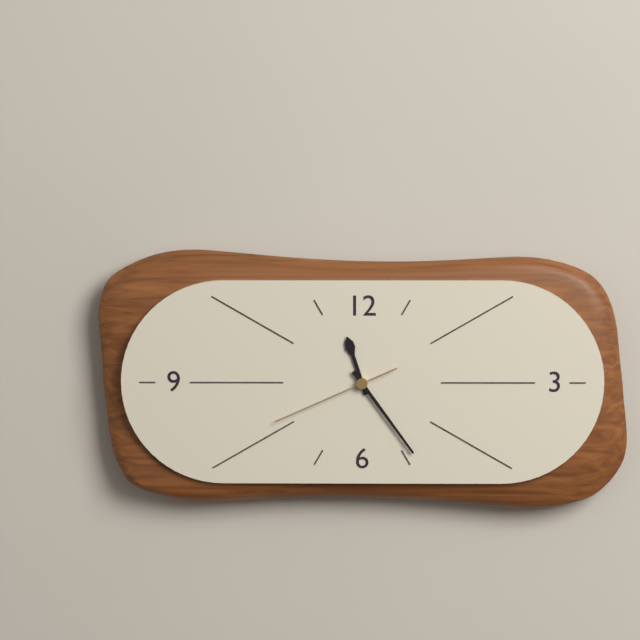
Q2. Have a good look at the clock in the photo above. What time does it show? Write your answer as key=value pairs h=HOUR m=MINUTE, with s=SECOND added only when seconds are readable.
h=11 m=24 s=41
